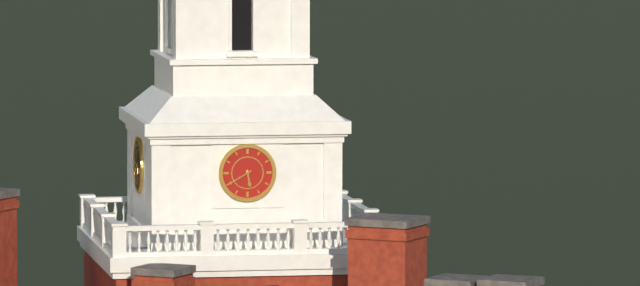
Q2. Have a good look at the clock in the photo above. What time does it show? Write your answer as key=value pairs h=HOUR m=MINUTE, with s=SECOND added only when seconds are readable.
h=5 m=40
